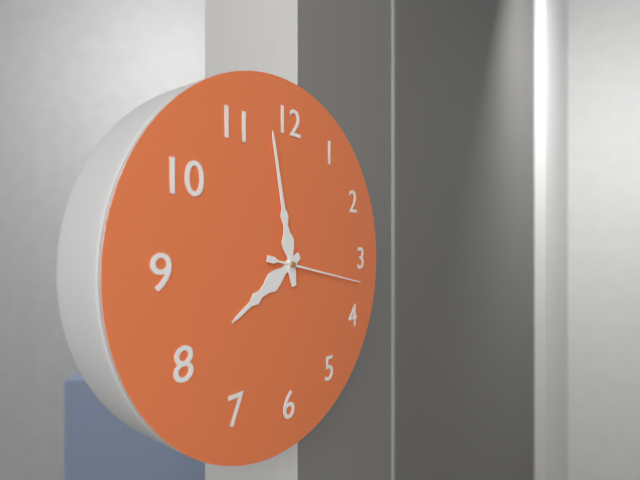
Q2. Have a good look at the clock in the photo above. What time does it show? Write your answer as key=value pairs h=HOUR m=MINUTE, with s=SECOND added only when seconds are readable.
h=7 m=58 s=17
